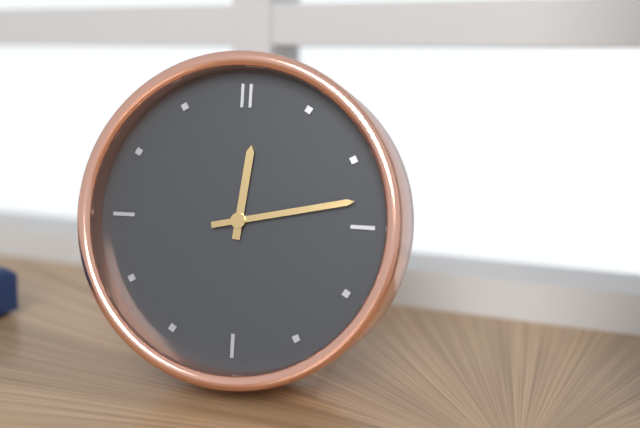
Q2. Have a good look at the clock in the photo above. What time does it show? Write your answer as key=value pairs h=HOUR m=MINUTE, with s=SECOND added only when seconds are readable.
h=12 m=13
